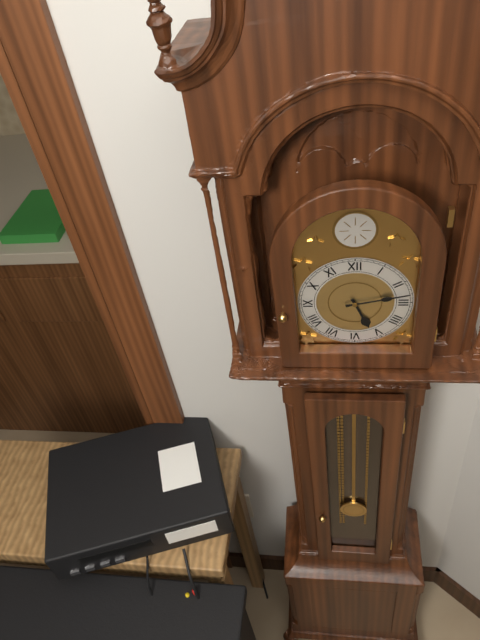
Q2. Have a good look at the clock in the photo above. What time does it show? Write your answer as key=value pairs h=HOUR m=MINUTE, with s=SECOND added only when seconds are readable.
h=5 m=13
